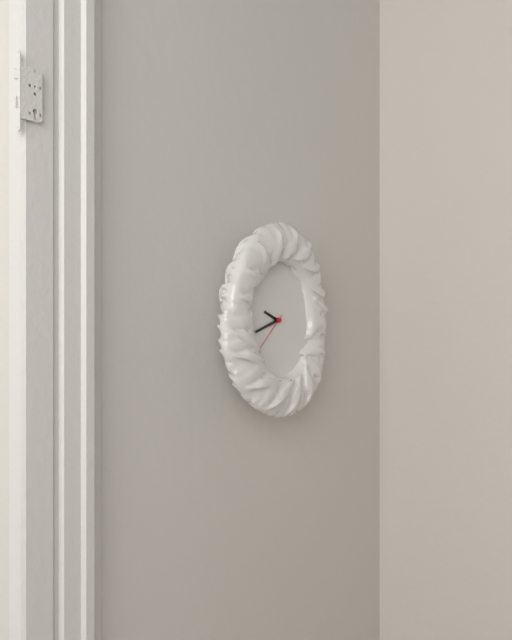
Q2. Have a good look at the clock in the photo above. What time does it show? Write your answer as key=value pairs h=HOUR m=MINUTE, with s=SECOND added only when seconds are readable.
h=9 m=42
